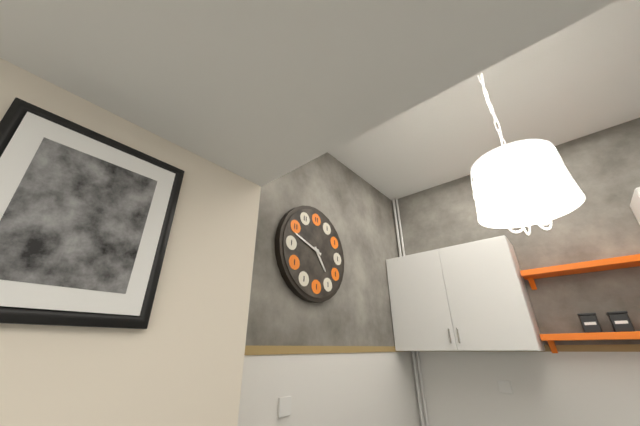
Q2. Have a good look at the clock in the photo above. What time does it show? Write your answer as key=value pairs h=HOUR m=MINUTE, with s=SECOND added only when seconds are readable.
h=4 m=48
